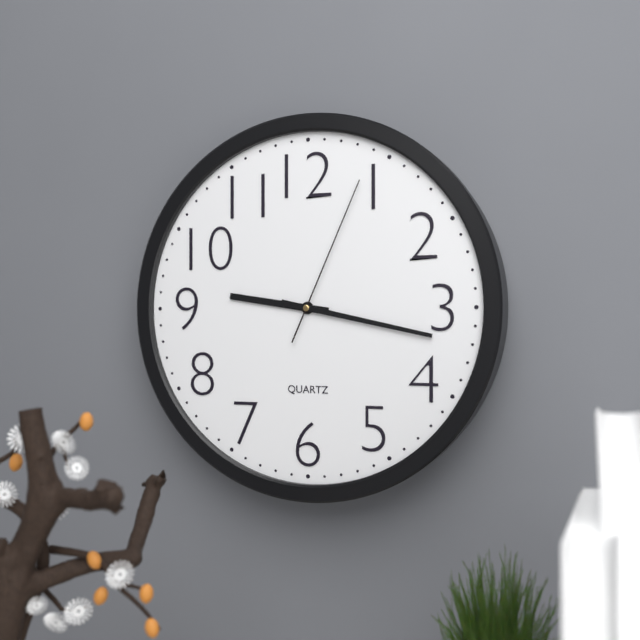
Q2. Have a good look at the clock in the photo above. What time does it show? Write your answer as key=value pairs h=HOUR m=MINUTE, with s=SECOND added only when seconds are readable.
h=9 m=17 s=4
